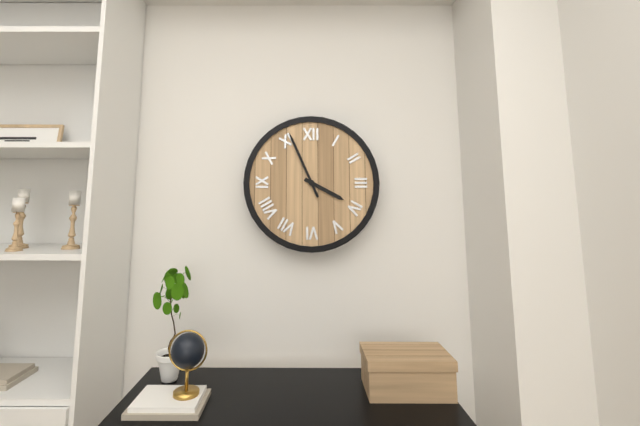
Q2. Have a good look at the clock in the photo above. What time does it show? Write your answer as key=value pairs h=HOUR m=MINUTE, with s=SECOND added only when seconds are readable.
h=3 m=56
